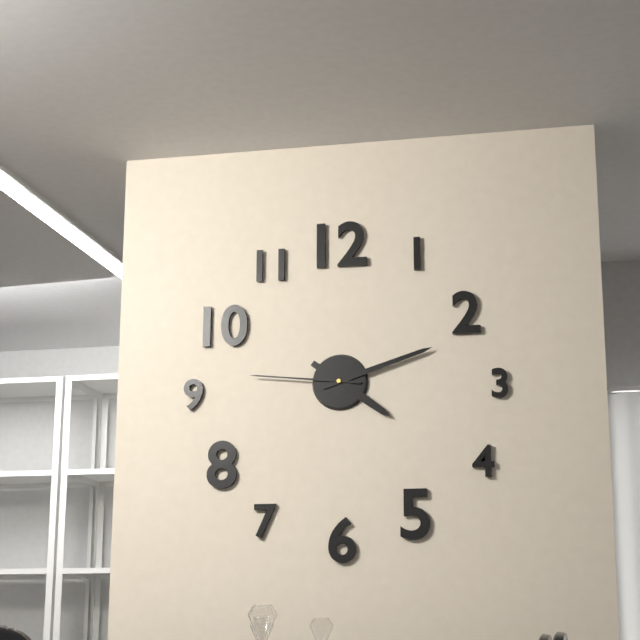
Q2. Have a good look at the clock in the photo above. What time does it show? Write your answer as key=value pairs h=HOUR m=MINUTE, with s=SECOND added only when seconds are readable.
h=4 m=12 s=46
